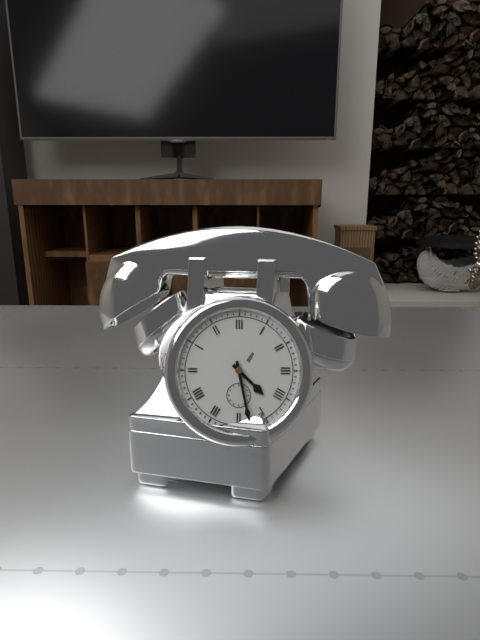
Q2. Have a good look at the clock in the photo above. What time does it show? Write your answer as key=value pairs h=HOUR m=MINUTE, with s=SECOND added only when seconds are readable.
h=4 m=28
